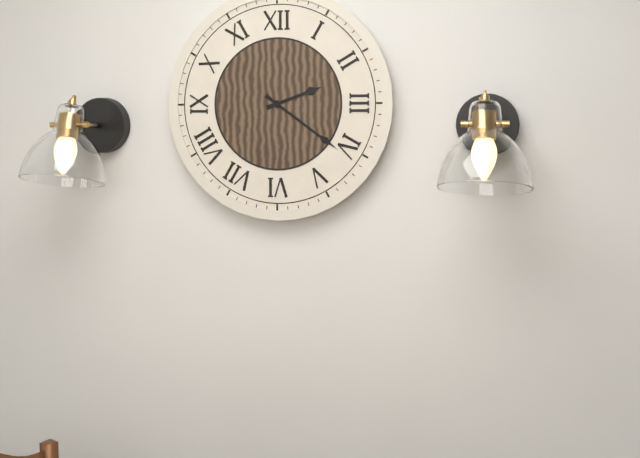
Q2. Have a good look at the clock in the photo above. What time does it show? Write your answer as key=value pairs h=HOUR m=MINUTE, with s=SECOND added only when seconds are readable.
h=2 m=21
